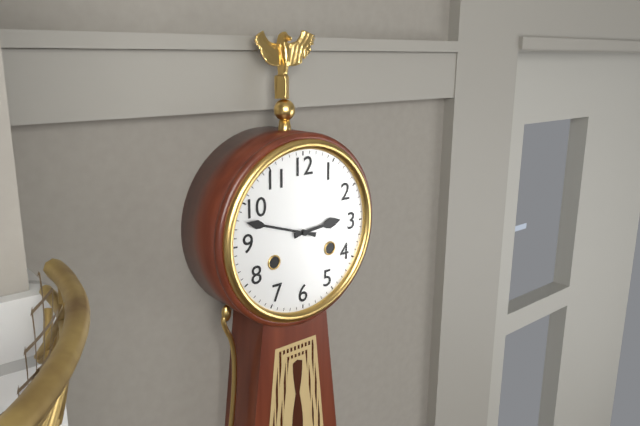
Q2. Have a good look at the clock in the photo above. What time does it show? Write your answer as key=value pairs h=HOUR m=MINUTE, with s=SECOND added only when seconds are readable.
h=2 m=48
